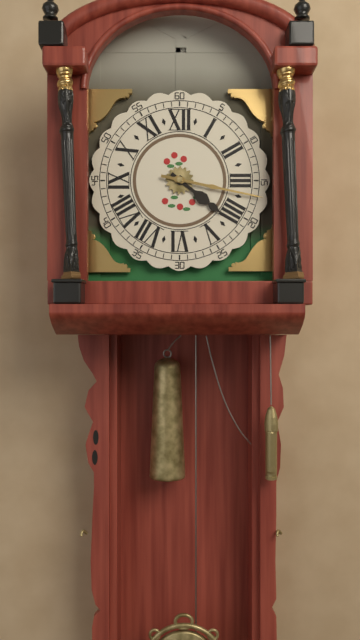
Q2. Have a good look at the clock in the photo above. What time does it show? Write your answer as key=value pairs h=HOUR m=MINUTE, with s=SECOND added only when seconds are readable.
h=4 m=17
